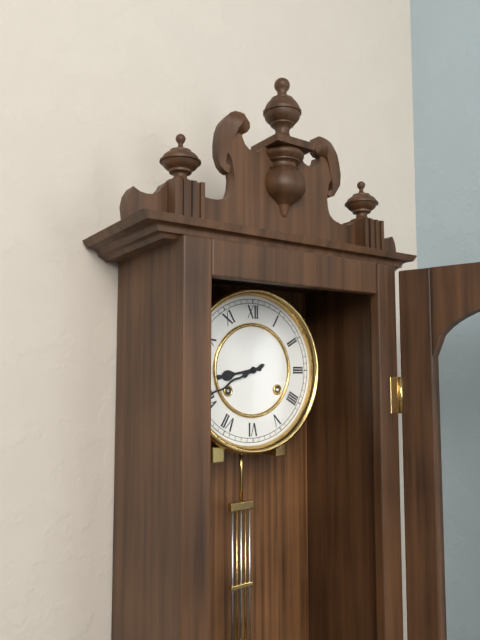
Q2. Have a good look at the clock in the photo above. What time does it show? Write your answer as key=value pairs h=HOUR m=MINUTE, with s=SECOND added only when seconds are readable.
h=8 m=41
